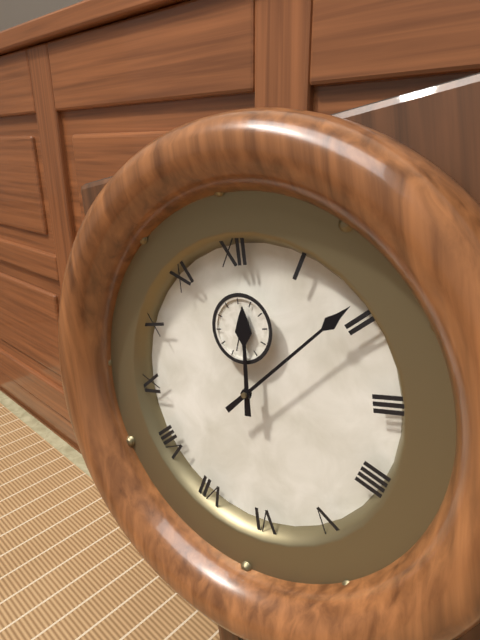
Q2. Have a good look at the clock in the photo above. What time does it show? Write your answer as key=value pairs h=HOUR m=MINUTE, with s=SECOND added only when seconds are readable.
h=12 m=9
